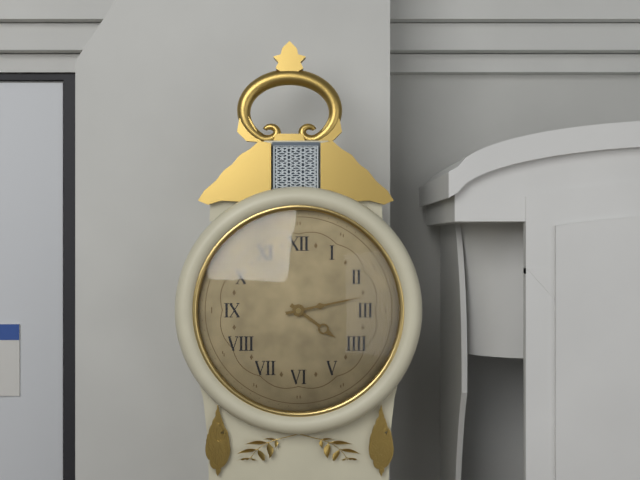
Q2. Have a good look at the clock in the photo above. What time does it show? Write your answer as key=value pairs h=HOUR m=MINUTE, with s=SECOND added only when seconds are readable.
h=4 m=13
